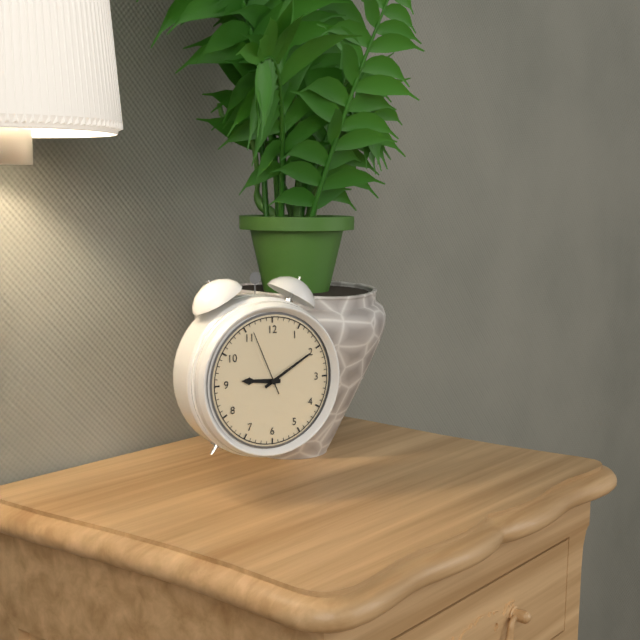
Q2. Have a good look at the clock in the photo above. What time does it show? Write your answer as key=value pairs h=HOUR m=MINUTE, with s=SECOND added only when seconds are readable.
h=9 m=10 s=56
